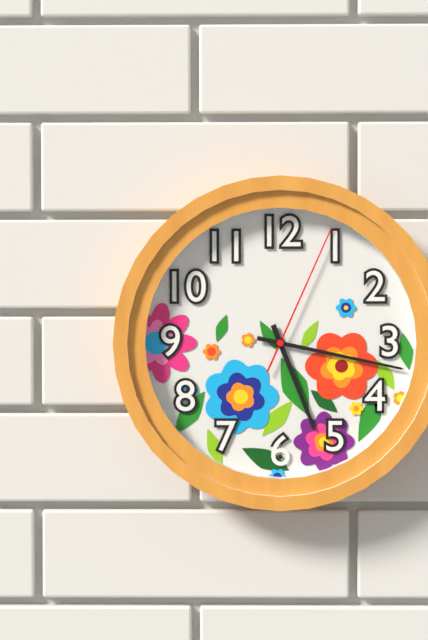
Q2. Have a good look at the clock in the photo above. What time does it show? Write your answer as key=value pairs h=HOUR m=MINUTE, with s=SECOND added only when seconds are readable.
h=5 m=17 s=4
